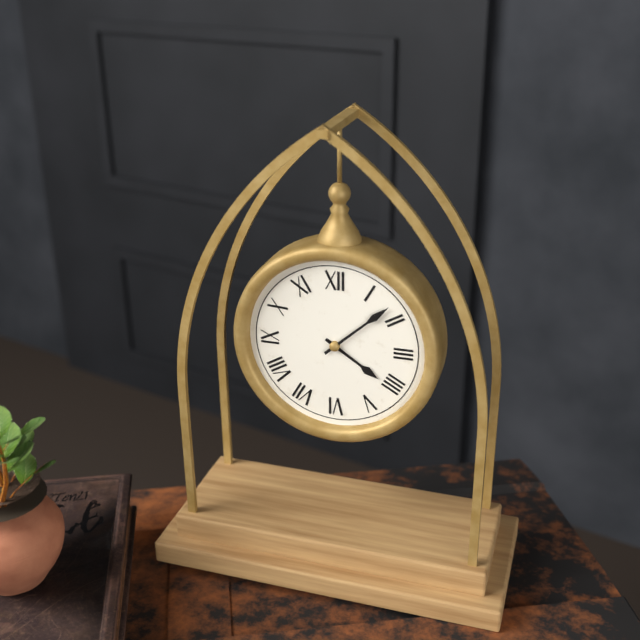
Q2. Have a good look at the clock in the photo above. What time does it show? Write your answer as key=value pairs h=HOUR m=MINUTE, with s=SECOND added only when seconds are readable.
h=4 m=8
